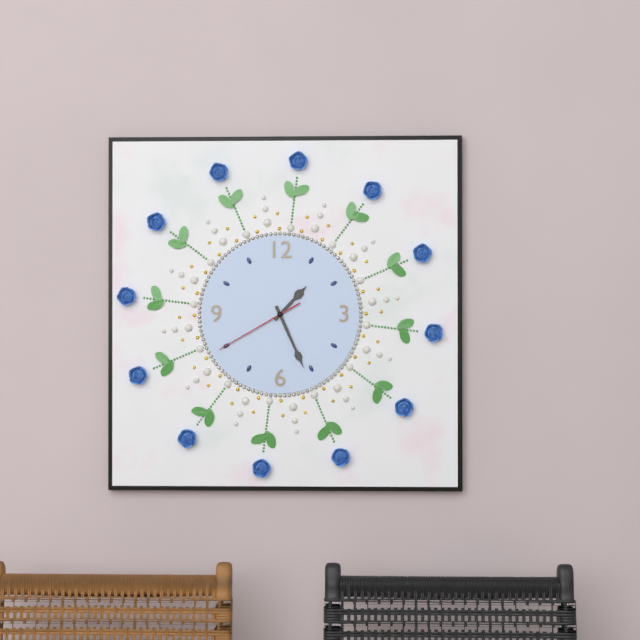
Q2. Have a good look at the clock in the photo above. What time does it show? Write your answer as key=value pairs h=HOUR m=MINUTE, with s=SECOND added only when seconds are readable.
h=1 m=26 s=40
